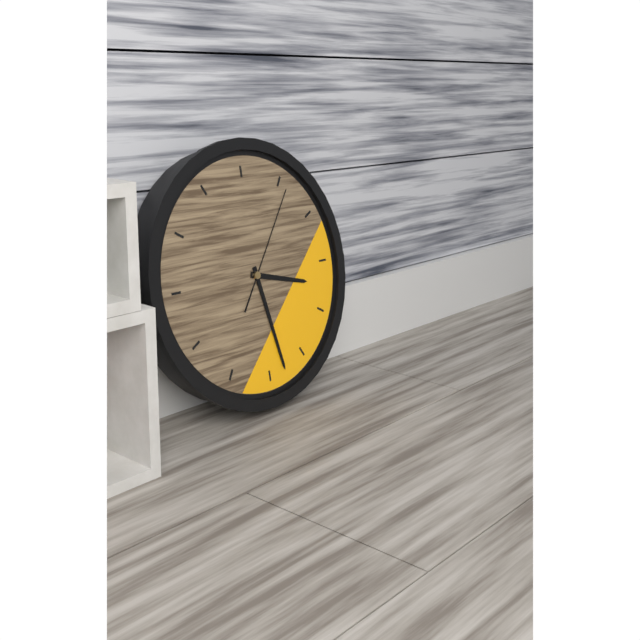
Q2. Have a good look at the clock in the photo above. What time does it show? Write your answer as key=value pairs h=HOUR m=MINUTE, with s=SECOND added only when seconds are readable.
h=3 m=28 s=6
